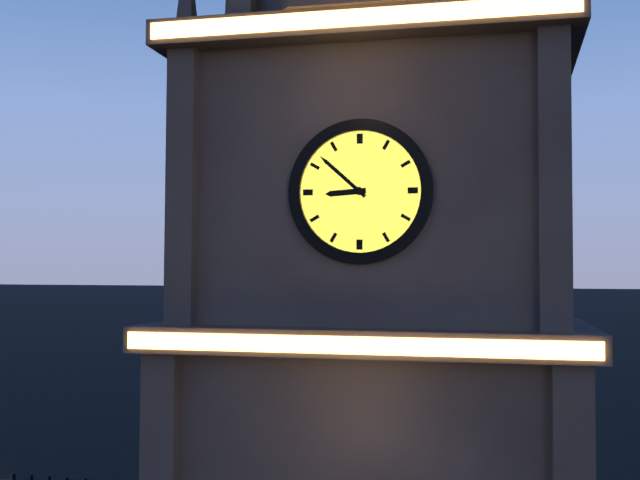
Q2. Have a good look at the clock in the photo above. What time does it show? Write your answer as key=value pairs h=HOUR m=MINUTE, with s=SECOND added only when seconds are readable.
h=8 m=52
